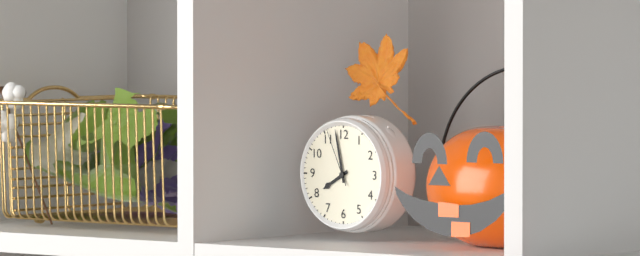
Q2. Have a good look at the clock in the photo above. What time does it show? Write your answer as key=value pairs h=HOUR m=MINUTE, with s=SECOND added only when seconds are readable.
h=7 m=58 s=56
